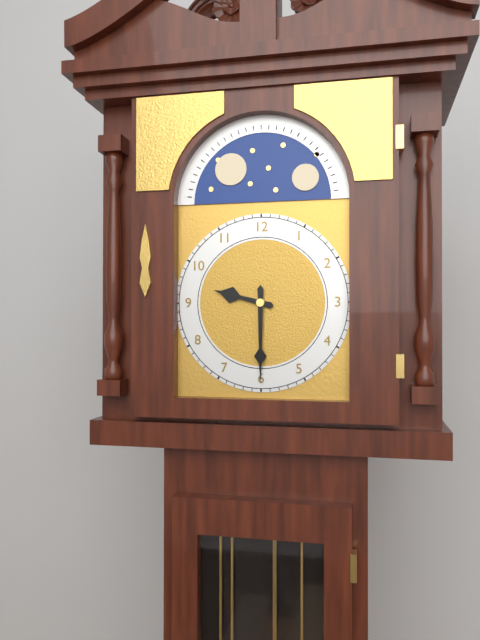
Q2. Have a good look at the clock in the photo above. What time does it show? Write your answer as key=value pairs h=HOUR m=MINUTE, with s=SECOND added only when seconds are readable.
h=9 m=30
